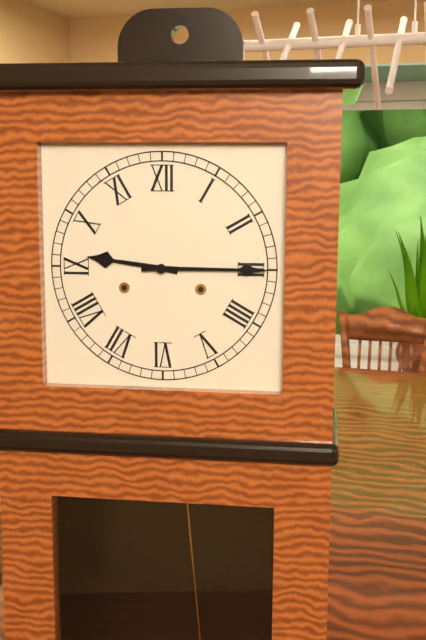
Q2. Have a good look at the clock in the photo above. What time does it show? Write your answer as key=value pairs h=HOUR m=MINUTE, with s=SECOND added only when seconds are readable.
h=9 m=15
